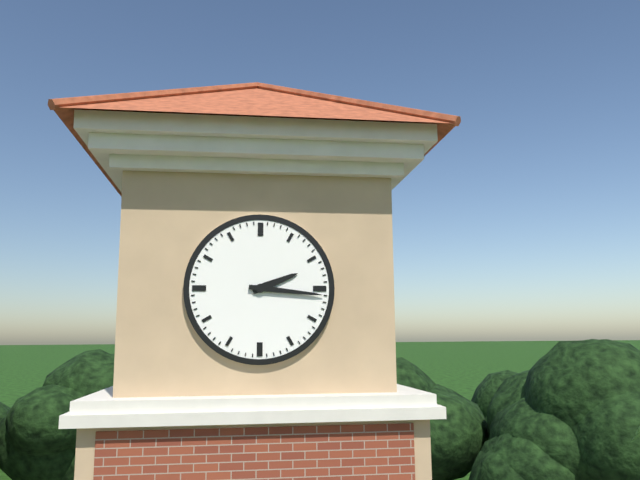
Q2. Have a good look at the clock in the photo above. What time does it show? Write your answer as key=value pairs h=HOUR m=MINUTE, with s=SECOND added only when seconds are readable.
h=2 m=16
